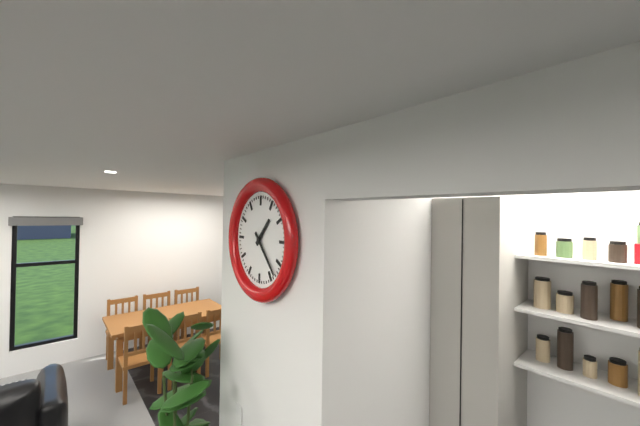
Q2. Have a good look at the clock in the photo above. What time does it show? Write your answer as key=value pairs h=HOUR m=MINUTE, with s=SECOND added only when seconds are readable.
h=1 m=23
